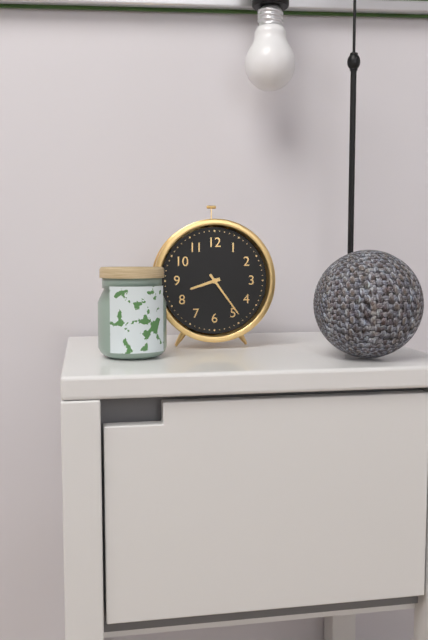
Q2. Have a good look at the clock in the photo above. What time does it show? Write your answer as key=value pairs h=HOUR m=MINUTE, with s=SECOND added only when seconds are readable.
h=8 m=24
